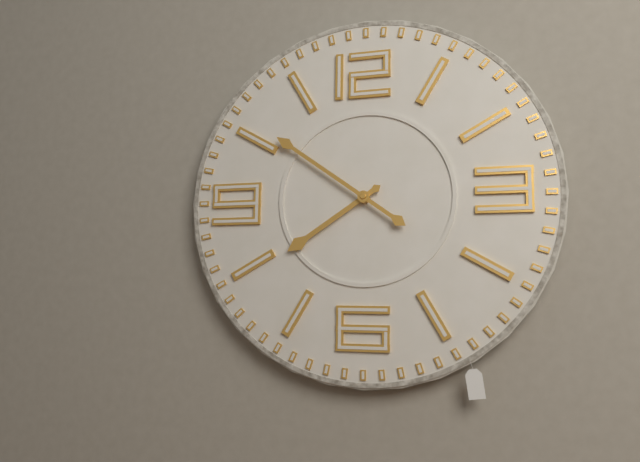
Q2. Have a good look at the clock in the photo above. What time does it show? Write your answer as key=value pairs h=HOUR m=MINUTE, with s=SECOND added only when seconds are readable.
h=7 m=51
